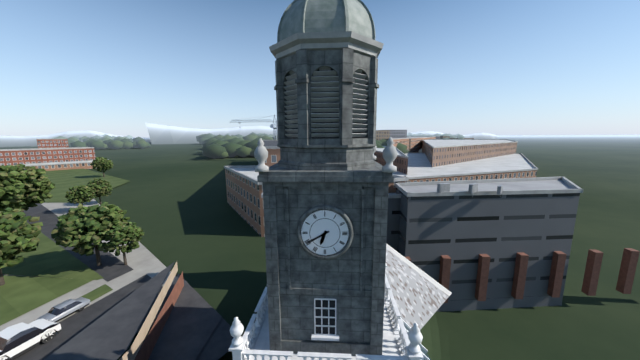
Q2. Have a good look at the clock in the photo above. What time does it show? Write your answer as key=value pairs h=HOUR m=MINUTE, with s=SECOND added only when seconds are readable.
h=6 m=40
